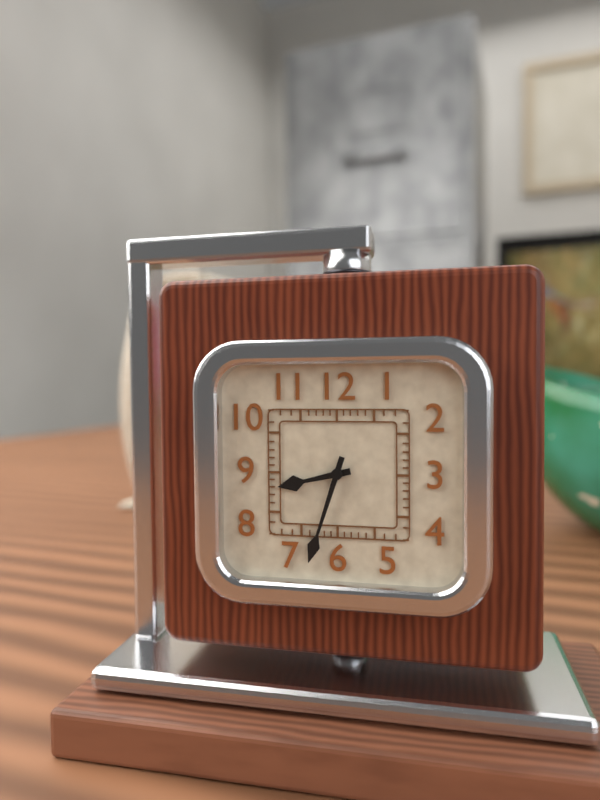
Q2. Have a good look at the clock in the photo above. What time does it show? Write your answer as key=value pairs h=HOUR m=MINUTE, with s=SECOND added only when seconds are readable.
h=8 m=33
